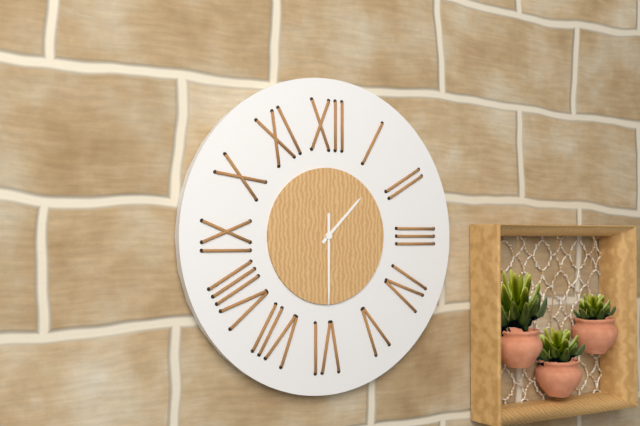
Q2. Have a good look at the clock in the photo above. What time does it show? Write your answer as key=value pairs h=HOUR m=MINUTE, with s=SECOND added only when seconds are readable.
h=1 m=30
